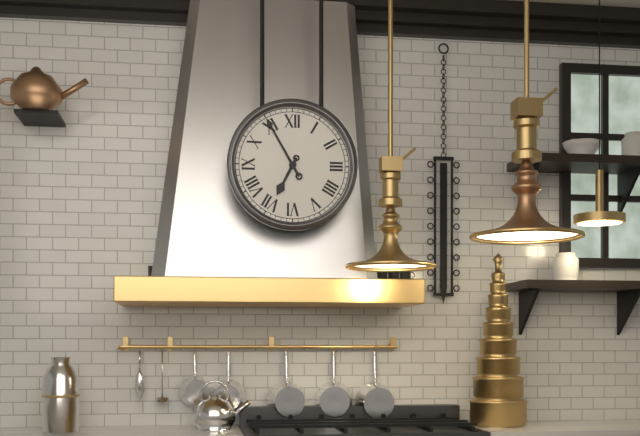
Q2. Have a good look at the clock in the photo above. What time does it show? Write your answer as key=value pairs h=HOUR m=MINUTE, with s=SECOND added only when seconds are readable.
h=6 m=55
